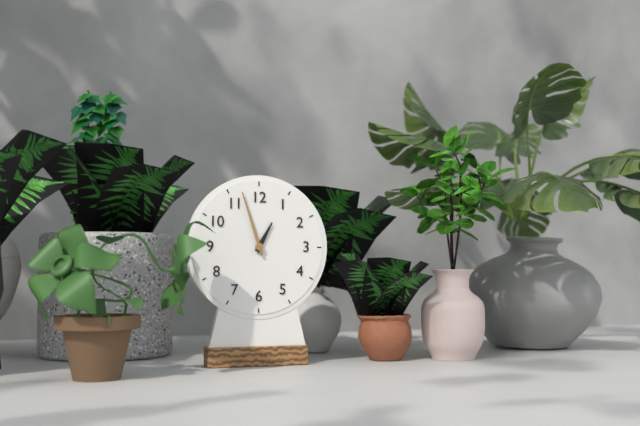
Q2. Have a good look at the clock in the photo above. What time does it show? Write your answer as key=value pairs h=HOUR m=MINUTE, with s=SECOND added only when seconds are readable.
h=12 m=57
